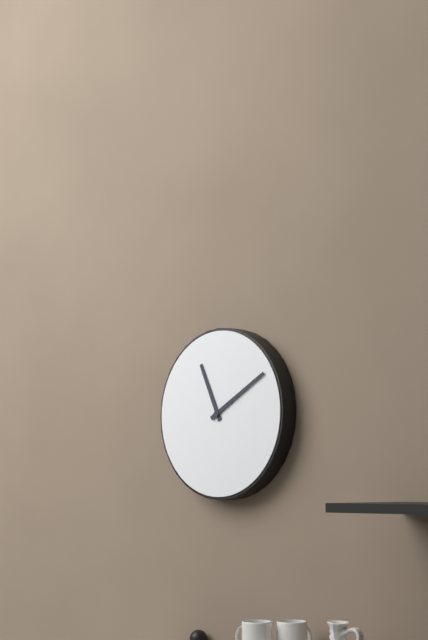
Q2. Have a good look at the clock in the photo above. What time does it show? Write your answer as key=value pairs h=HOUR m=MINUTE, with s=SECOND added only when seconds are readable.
h=11 m=10
